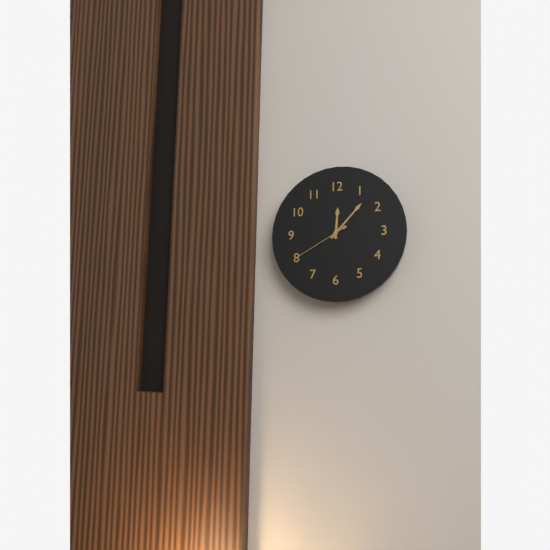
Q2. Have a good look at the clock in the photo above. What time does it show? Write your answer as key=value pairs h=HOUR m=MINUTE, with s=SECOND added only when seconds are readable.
h=12 m=7 s=40
